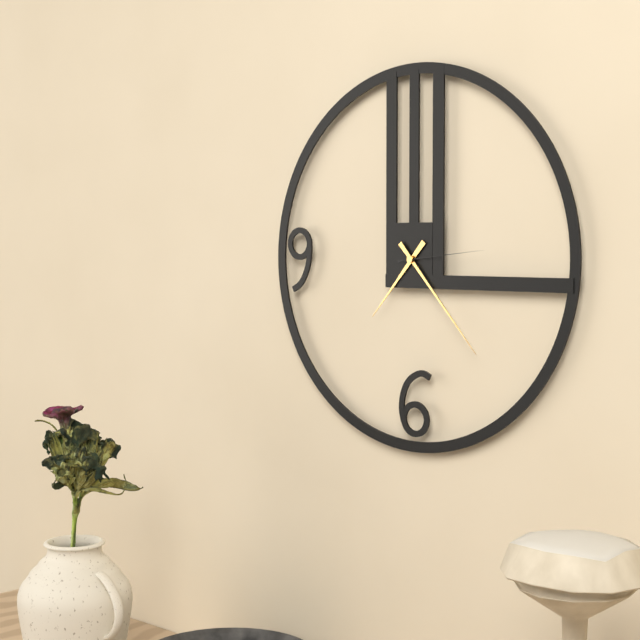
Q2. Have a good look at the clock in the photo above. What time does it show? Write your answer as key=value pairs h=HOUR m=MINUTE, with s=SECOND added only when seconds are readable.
h=7 m=23 s=14
